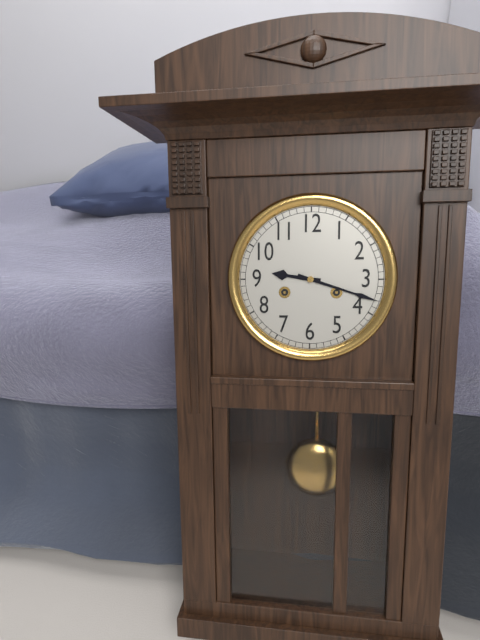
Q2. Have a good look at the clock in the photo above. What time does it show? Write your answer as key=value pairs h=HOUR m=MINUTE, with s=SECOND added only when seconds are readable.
h=9 m=18
